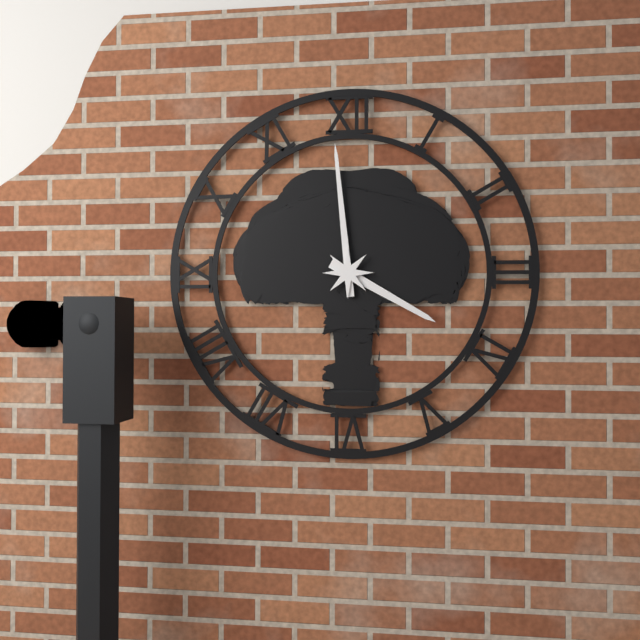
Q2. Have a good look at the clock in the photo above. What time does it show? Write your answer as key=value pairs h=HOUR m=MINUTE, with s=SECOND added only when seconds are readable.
h=3 m=59
